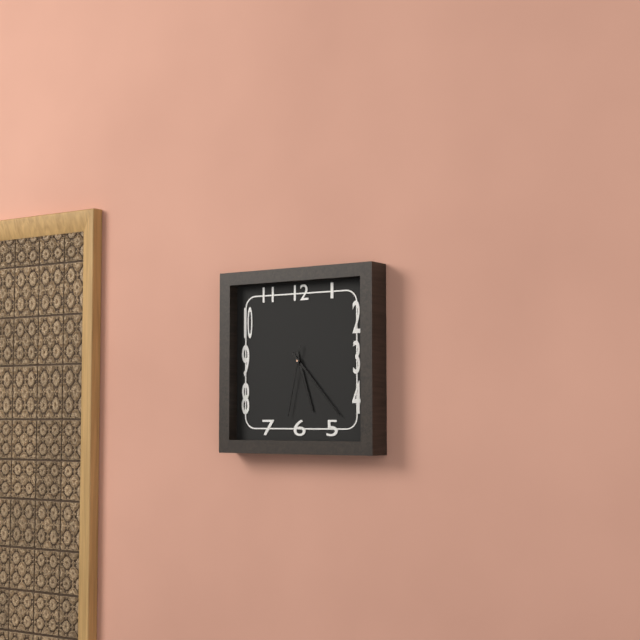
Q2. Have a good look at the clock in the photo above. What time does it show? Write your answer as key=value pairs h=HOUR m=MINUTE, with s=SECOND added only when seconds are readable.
h=5 m=23 s=32
